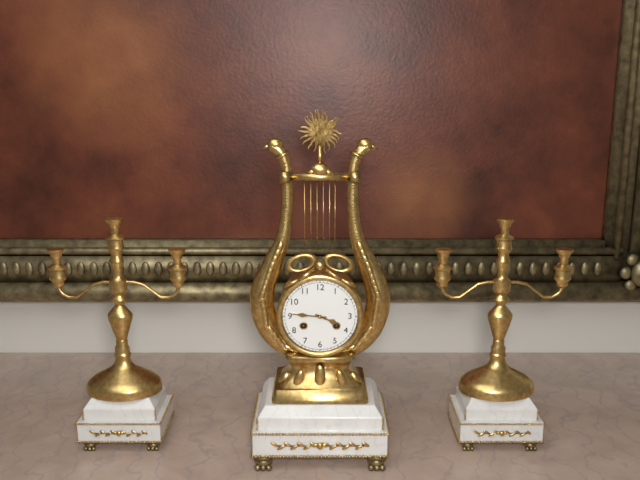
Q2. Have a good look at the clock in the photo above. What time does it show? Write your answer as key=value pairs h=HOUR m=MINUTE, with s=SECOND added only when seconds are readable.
h=3 m=46
